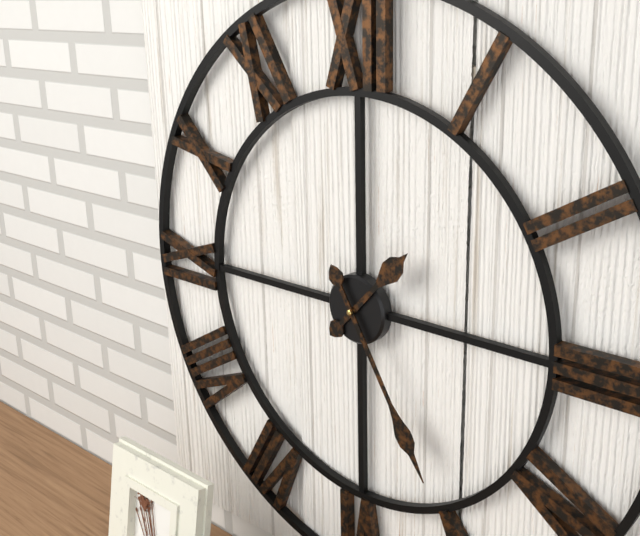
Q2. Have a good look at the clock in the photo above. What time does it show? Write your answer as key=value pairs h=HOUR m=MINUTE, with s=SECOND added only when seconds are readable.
h=1 m=25
